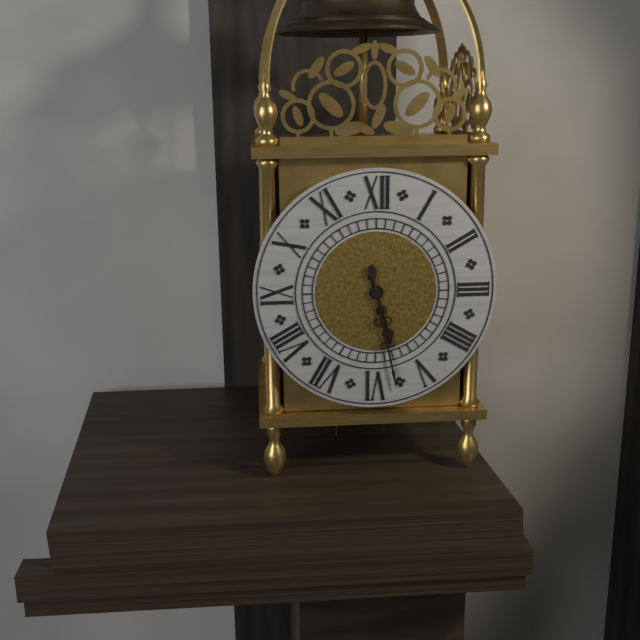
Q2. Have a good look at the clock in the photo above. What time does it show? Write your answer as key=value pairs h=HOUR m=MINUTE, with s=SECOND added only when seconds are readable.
h=5 m=28
